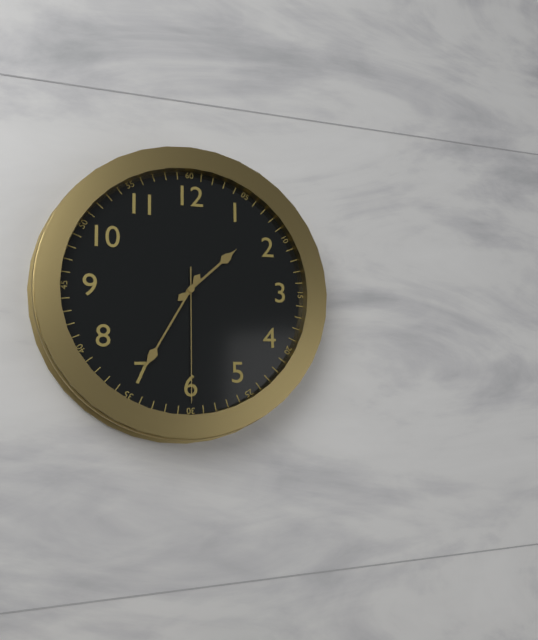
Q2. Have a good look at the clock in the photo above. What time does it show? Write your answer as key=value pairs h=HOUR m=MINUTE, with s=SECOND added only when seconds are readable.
h=1 m=35 s=30
